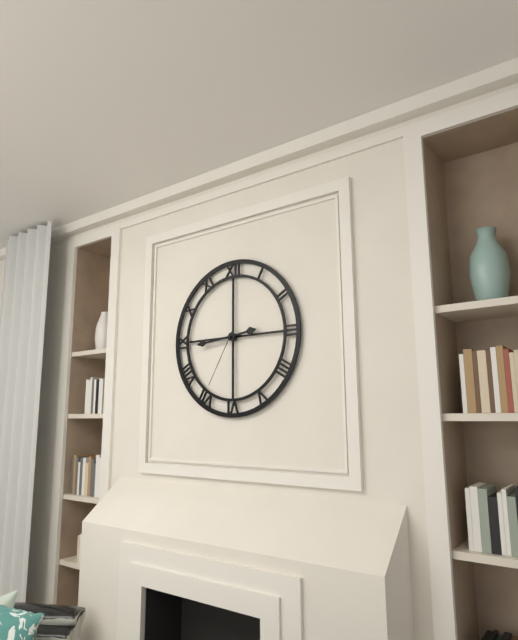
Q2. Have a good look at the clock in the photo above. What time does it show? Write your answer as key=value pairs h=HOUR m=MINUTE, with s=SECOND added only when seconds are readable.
h=2 m=44 s=35
